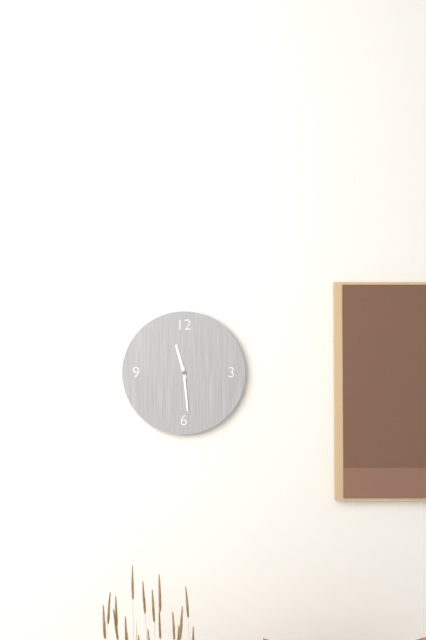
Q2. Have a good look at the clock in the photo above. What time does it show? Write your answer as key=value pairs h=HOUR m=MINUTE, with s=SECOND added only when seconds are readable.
h=11 m=29
